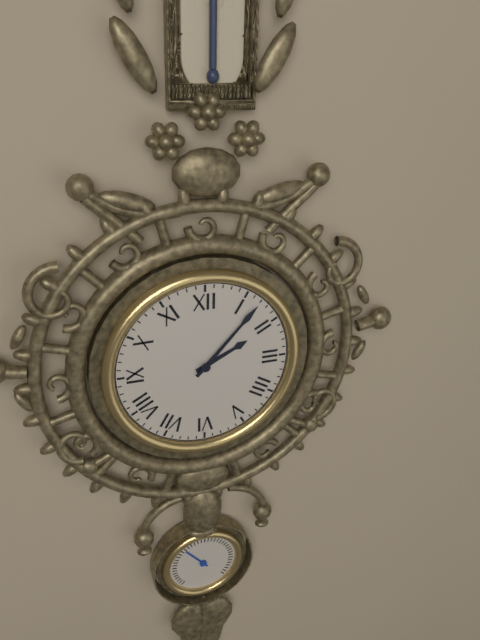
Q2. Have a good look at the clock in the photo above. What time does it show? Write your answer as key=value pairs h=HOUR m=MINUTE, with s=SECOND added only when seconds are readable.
h=2 m=7
